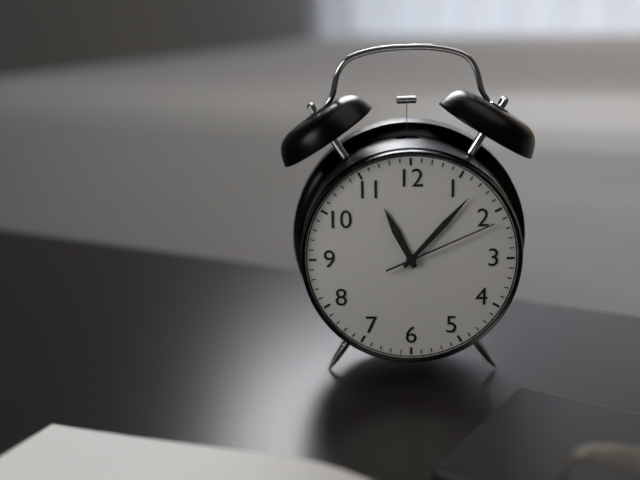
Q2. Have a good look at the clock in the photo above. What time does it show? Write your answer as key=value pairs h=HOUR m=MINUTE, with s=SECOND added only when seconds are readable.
h=11 m=7 s=11
